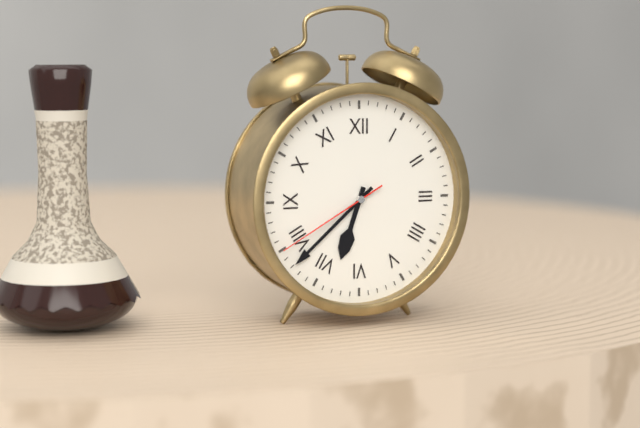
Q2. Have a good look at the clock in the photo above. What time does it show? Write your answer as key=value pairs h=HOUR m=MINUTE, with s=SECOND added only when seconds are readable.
h=6 m=38 s=40
